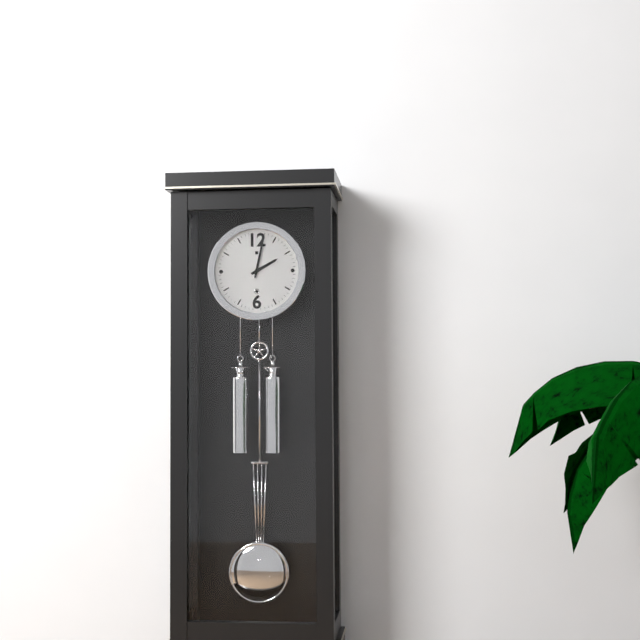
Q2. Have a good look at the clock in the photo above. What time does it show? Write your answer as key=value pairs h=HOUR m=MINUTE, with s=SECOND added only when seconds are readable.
h=2 m=2
